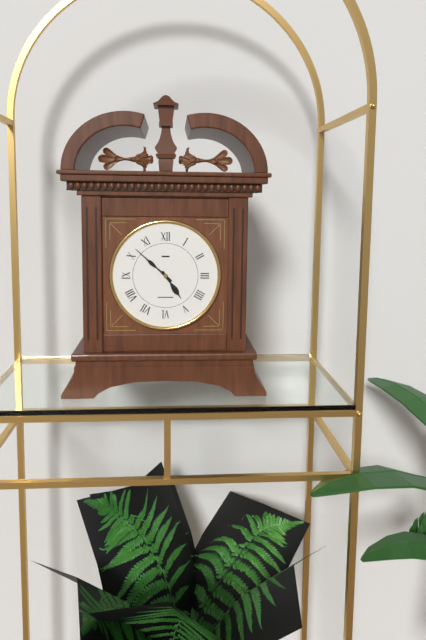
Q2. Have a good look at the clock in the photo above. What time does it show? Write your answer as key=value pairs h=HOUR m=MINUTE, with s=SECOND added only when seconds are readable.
h=4 m=52
